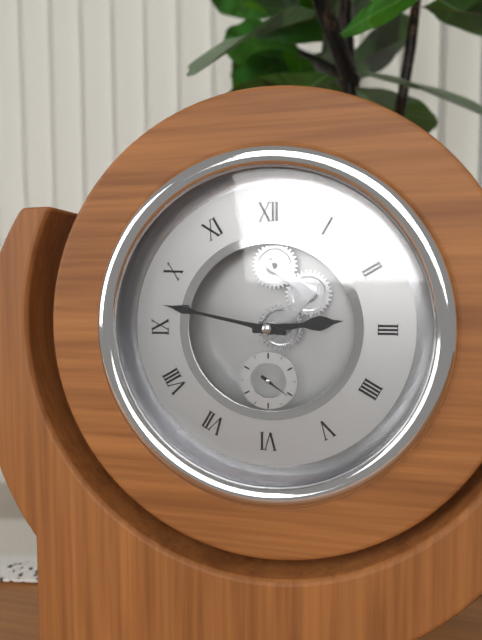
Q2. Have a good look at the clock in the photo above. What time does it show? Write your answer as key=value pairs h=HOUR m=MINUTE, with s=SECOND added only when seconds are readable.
h=2 m=47
